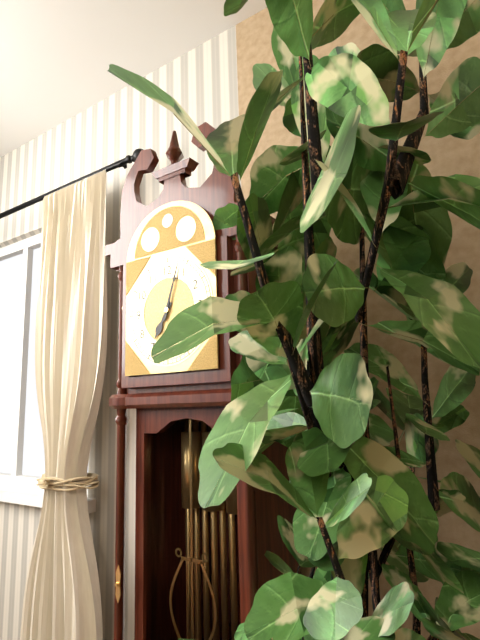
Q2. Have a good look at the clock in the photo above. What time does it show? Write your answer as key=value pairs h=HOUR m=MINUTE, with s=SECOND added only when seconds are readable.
h=7 m=3
